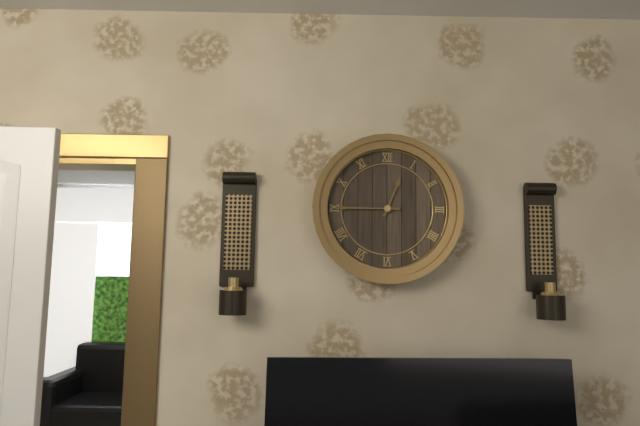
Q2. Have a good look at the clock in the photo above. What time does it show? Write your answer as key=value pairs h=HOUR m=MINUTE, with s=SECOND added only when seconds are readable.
h=12 m=45
